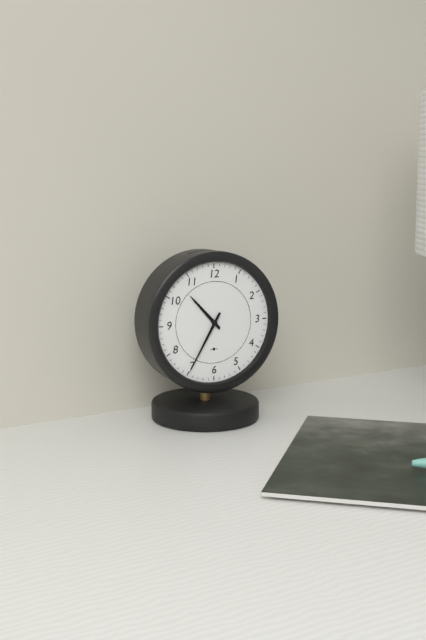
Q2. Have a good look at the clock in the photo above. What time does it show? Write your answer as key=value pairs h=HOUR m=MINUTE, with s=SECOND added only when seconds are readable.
h=10 m=35
